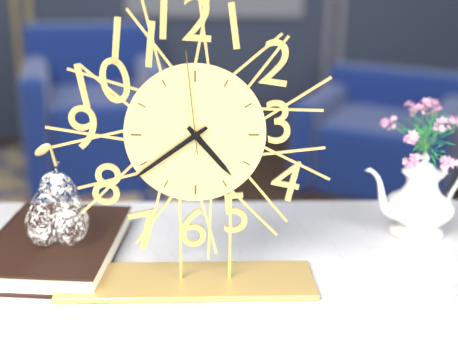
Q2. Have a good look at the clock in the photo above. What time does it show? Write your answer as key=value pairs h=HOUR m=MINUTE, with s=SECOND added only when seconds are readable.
h=4 m=39 s=59
